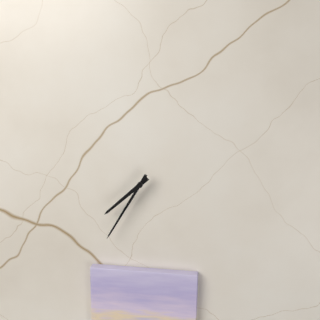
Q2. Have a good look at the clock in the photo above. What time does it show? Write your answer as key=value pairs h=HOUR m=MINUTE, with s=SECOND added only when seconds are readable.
h=7 m=35
